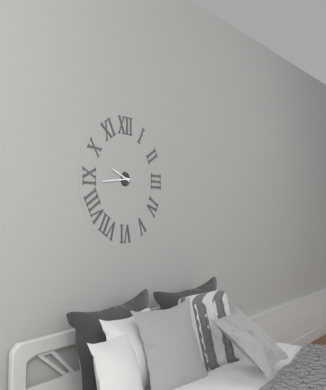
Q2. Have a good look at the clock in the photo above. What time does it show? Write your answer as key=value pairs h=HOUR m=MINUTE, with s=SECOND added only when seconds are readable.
h=9 m=44
